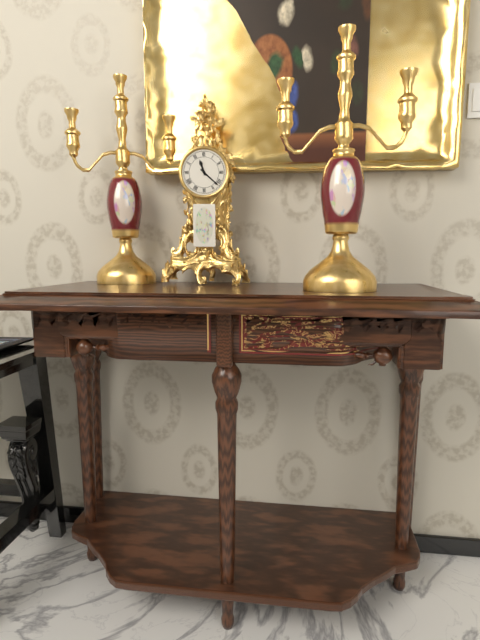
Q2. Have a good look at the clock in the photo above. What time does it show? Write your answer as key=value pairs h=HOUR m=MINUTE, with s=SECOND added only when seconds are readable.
h=11 m=22
